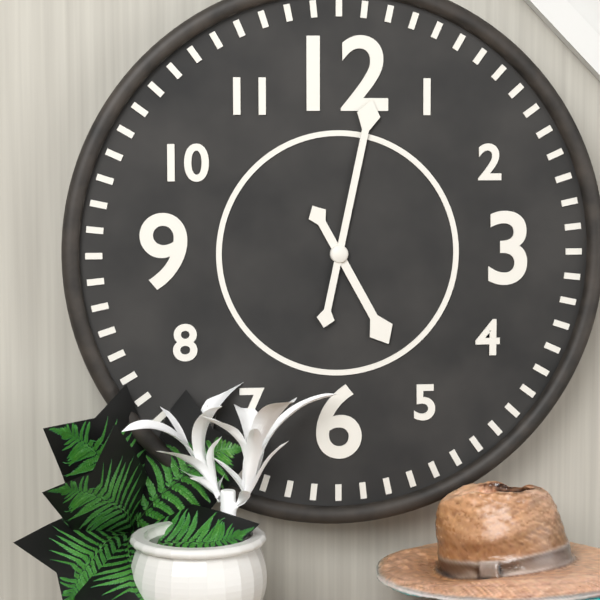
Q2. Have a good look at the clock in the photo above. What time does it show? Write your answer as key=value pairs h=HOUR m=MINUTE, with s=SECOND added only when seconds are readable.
h=5 m=2
